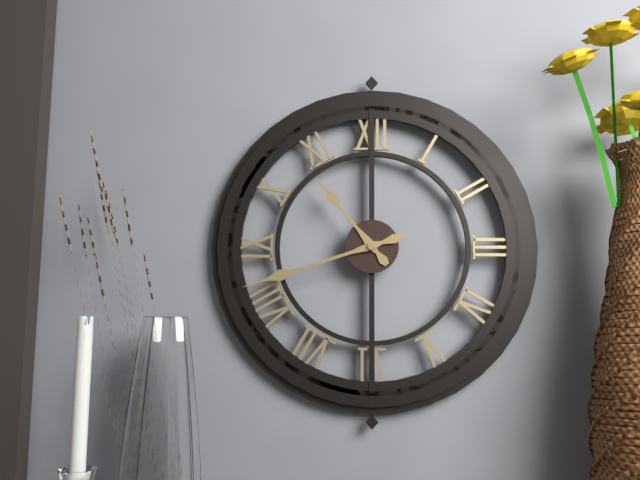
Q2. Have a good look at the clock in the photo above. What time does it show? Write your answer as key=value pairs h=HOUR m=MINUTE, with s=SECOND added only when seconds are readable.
h=10 m=42
